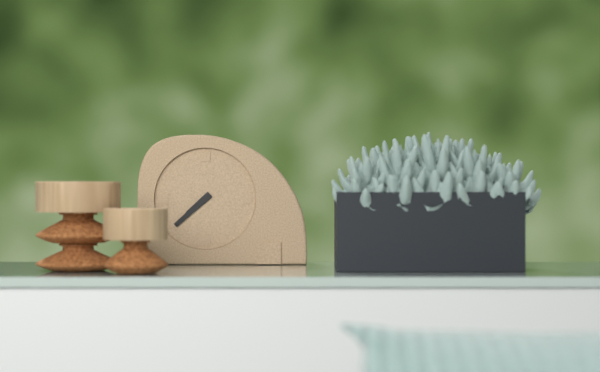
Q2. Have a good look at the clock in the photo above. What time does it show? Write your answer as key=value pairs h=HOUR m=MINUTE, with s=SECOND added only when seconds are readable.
h=7 m=38
